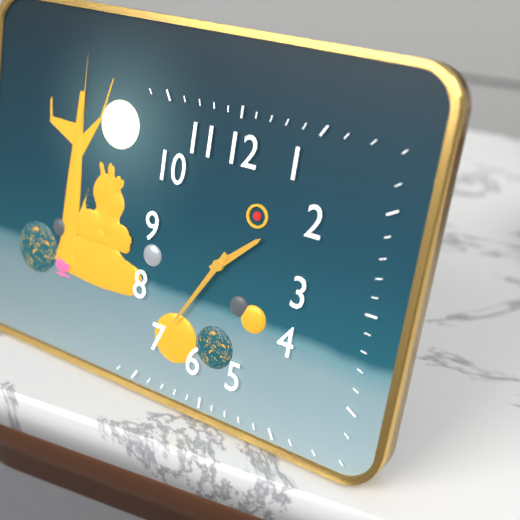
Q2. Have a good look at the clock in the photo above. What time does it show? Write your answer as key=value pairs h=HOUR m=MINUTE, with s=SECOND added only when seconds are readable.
h=1 m=35
